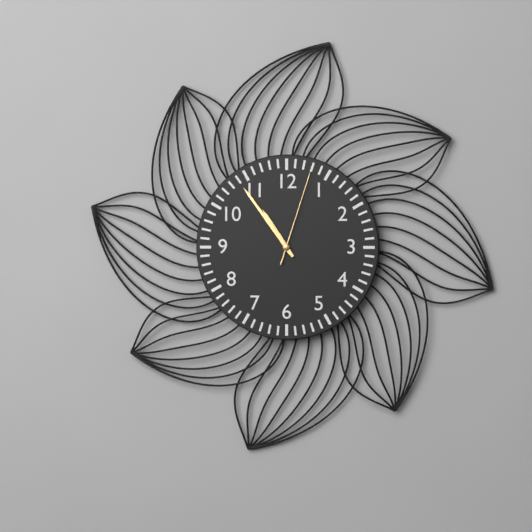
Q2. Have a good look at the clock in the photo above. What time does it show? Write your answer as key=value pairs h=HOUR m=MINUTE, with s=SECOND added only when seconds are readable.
h=10 m=54 s=3
